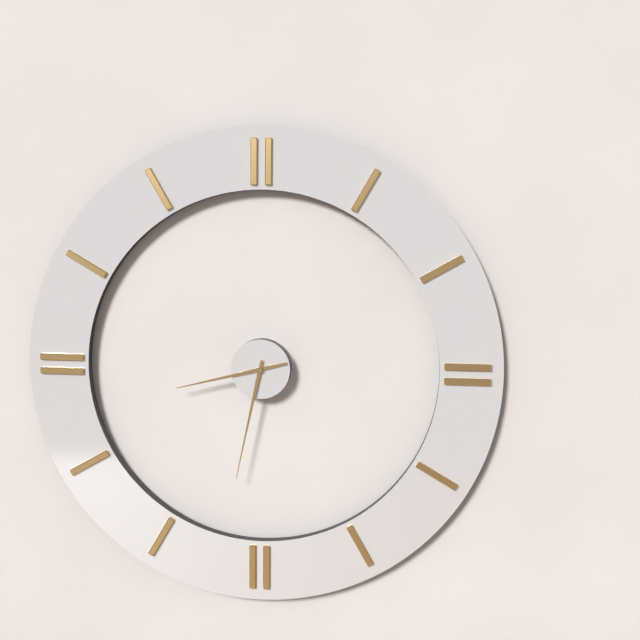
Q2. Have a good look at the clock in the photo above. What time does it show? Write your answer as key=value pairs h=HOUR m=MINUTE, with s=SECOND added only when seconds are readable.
h=8 m=32
